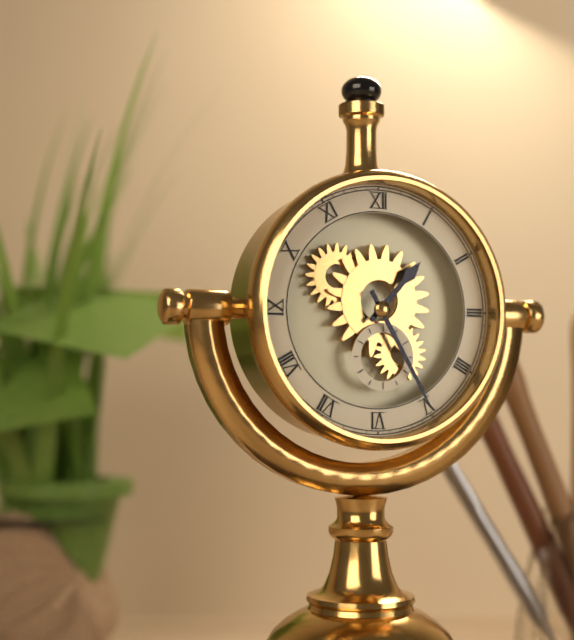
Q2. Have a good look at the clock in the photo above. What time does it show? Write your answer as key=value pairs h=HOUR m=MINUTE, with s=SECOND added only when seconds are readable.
h=1 m=25
